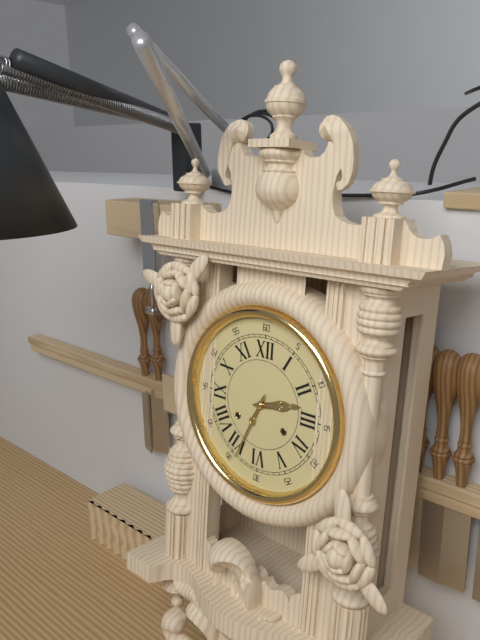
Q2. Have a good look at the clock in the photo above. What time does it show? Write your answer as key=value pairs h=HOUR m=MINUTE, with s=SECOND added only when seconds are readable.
h=2 m=34
